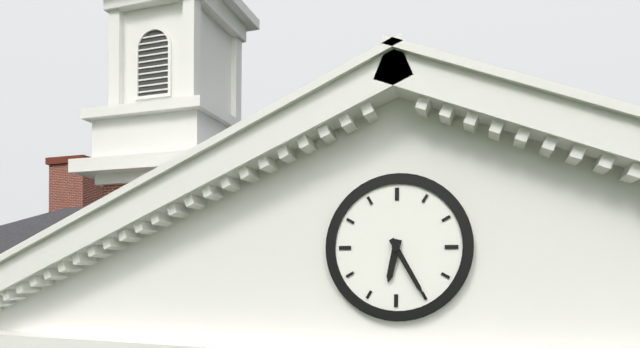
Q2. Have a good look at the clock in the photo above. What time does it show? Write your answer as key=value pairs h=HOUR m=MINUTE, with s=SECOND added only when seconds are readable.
h=6 m=25
